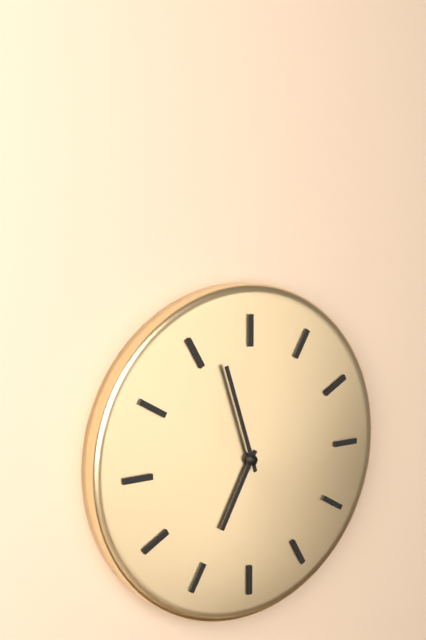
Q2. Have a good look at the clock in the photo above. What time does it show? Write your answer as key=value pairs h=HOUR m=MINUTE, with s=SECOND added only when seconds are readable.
h=6 m=57
